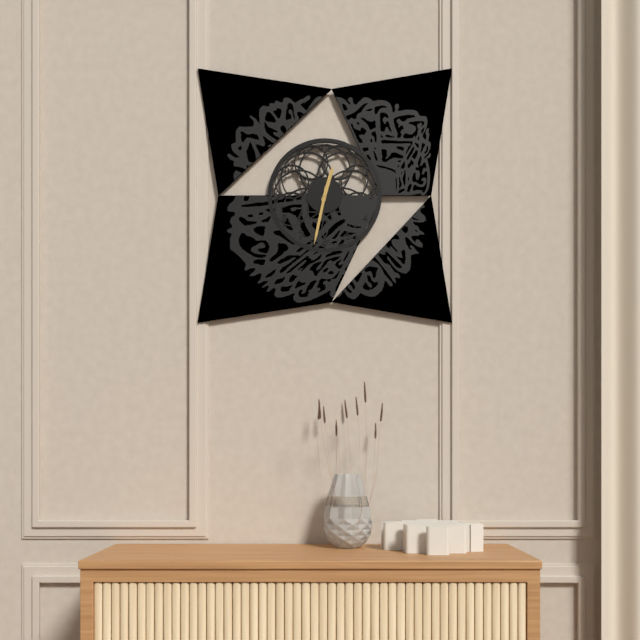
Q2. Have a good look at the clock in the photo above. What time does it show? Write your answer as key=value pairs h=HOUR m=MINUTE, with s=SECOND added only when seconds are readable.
h=12 m=32
